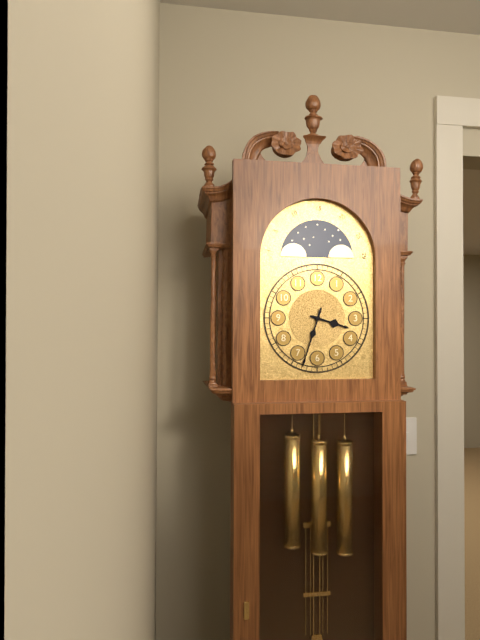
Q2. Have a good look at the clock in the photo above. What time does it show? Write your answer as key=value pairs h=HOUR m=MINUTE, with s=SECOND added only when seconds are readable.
h=3 m=33
